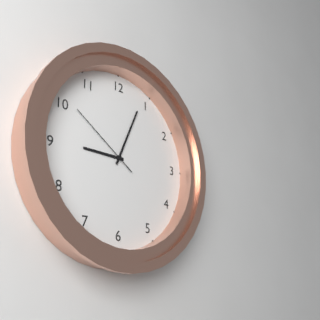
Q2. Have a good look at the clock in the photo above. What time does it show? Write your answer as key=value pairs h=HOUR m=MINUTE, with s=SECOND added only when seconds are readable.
h=9 m=4 s=51
